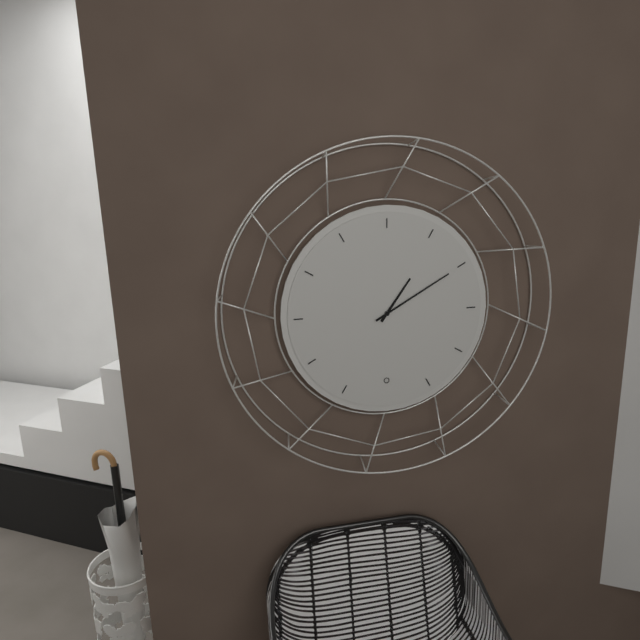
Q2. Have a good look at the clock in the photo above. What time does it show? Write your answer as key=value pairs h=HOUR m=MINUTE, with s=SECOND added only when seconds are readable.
h=1 m=10
